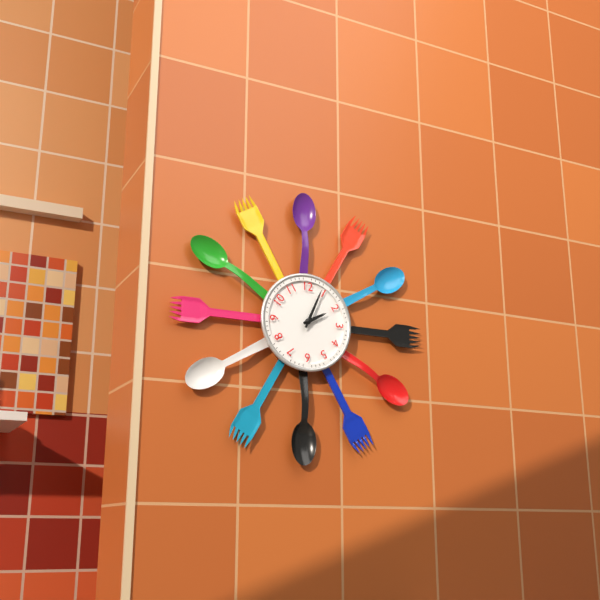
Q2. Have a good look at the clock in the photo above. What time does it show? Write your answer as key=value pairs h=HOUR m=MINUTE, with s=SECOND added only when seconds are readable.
h=2 m=4
